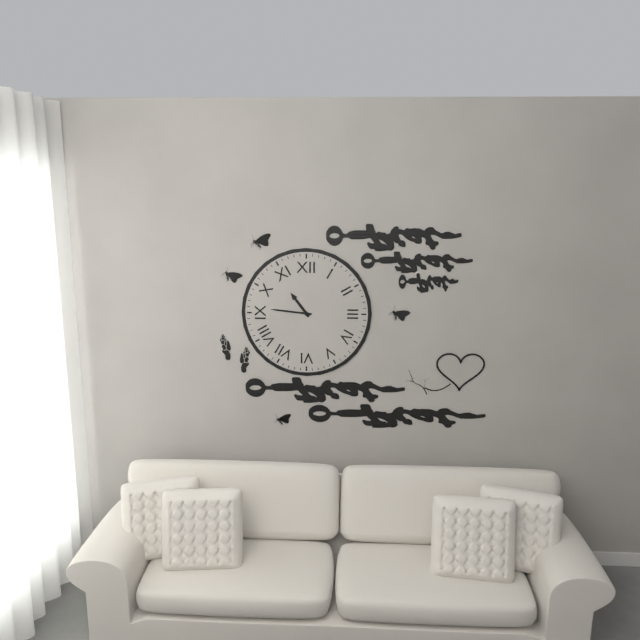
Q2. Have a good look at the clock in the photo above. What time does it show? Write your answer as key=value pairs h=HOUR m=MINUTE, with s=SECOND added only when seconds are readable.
h=10 m=46
